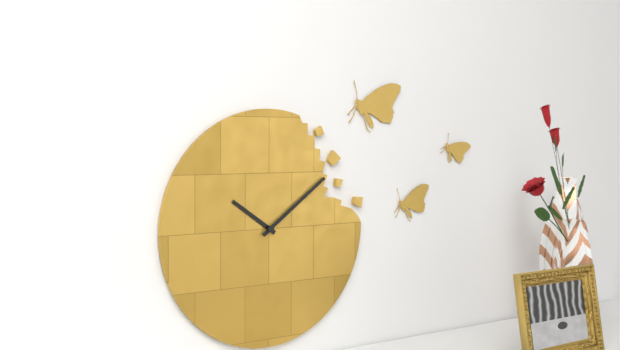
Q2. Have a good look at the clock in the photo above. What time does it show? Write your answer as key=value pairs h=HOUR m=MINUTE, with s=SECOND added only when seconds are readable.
h=10 m=9
